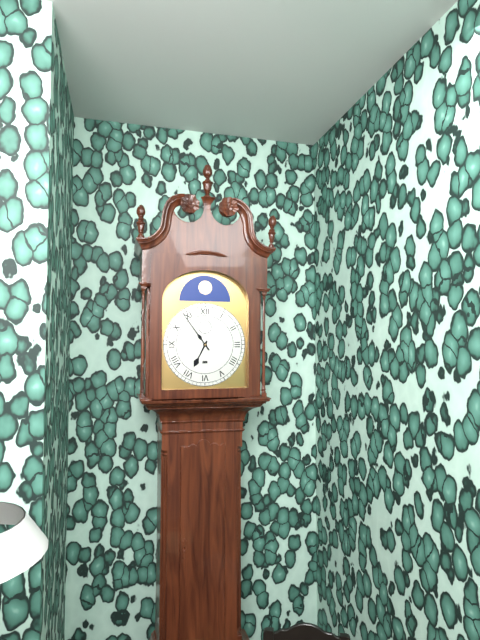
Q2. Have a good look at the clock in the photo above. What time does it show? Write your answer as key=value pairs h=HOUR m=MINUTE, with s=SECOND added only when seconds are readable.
h=6 m=54
